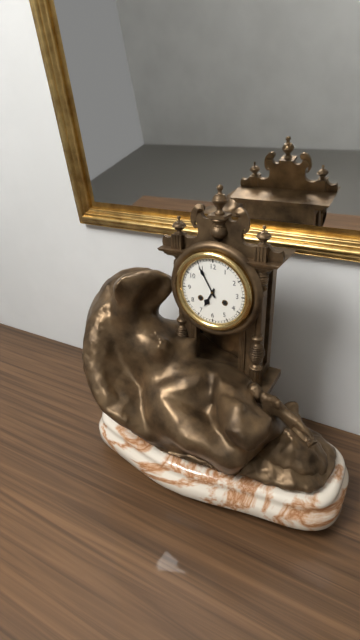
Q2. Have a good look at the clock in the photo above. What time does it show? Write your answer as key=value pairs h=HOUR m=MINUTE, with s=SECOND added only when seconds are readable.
h=6 m=55
